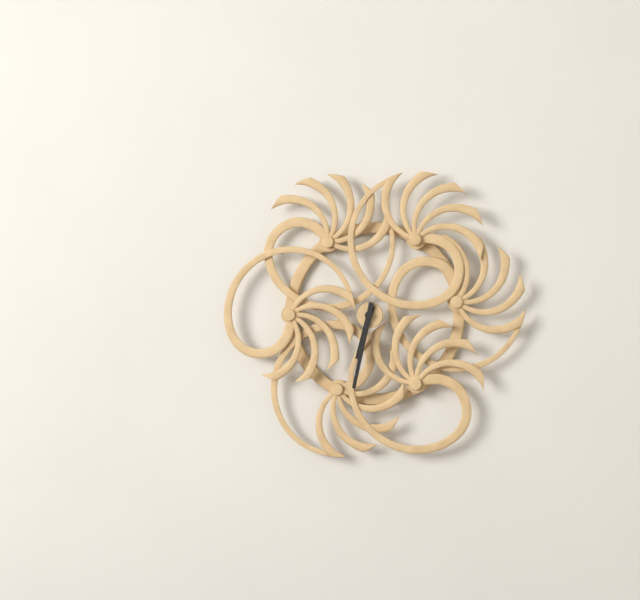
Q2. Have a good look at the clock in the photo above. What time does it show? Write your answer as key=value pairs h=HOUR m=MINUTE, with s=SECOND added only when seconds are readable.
h=6 m=32
